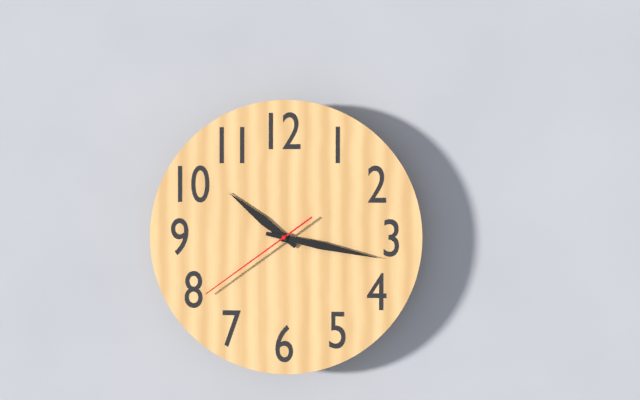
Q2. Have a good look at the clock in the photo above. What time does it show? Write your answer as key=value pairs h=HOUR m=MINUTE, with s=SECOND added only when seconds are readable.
h=10 m=17 s=39
